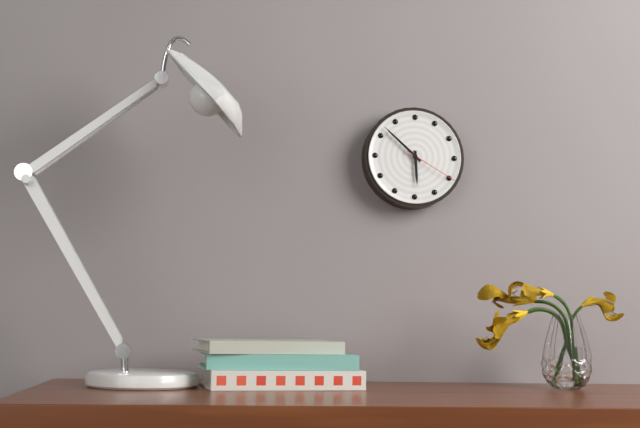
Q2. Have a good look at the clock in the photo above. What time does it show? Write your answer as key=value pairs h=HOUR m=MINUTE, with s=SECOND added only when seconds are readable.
h=5 m=52 s=20
